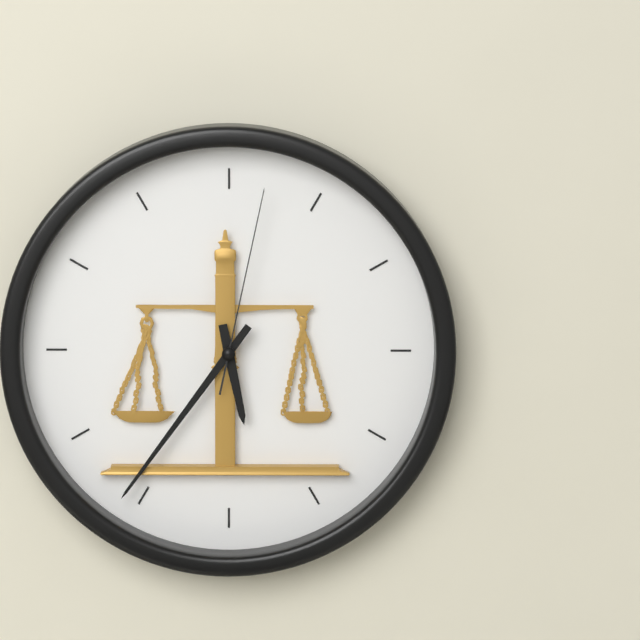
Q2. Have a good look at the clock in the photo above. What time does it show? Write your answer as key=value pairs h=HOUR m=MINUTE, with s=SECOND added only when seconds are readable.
h=5 m=36 s=2
